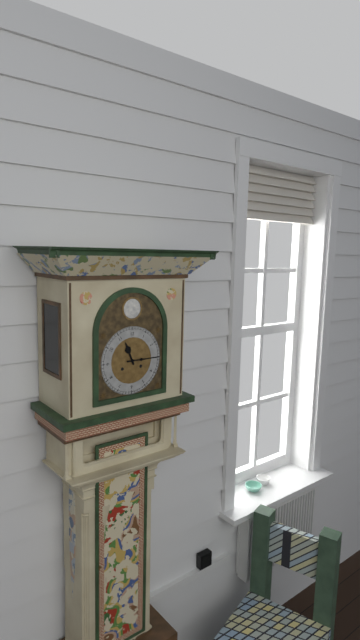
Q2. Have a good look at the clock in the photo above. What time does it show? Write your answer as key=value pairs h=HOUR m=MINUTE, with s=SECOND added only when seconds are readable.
h=11 m=15
